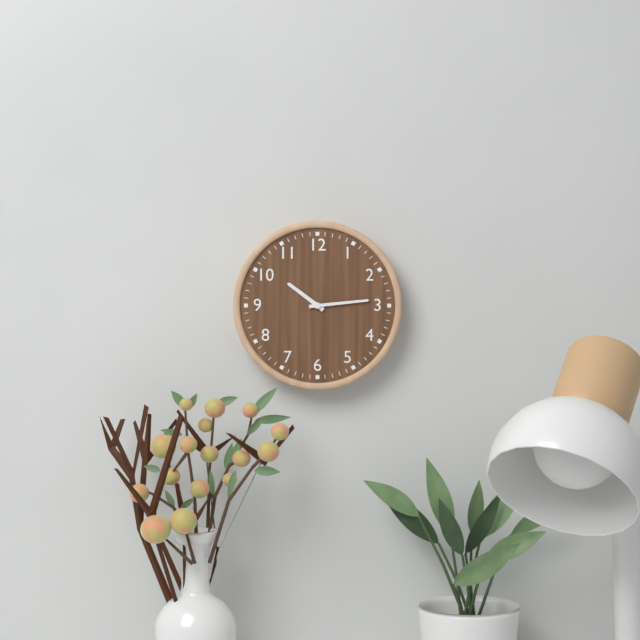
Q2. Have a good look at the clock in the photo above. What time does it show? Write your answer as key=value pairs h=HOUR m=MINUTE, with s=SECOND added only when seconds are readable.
h=10 m=14
